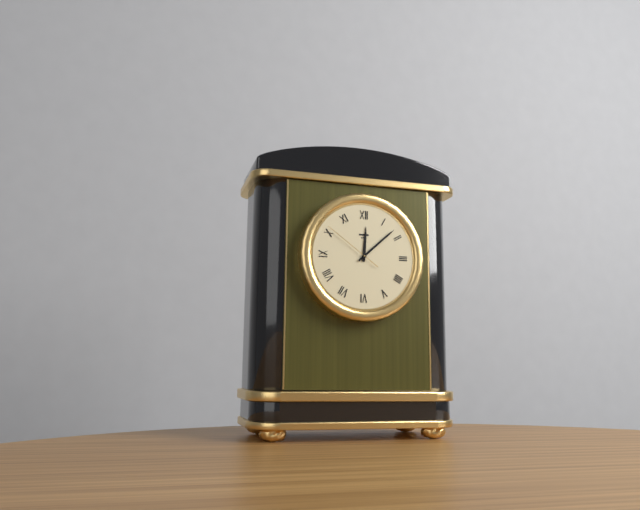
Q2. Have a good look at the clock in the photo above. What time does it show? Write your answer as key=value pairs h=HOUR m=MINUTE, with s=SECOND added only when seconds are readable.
h=12 m=8 s=51
